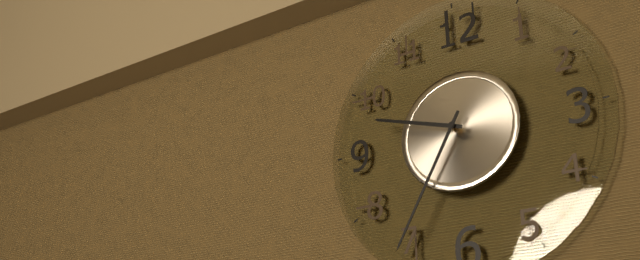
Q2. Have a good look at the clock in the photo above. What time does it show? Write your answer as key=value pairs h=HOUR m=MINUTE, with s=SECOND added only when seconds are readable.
h=9 m=35
